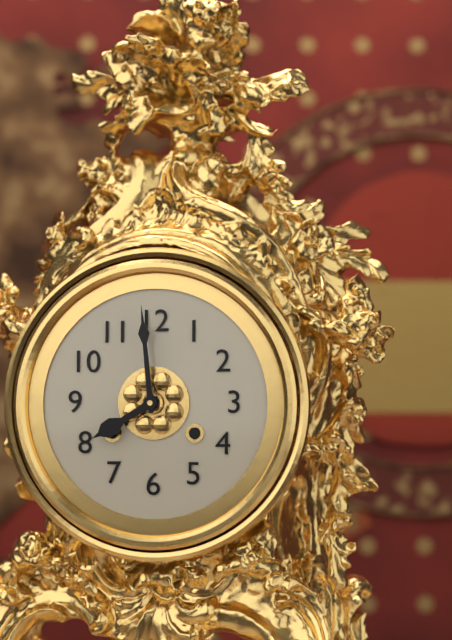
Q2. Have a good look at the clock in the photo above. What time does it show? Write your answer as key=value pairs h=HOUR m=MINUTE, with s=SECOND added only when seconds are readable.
h=7 m=59
